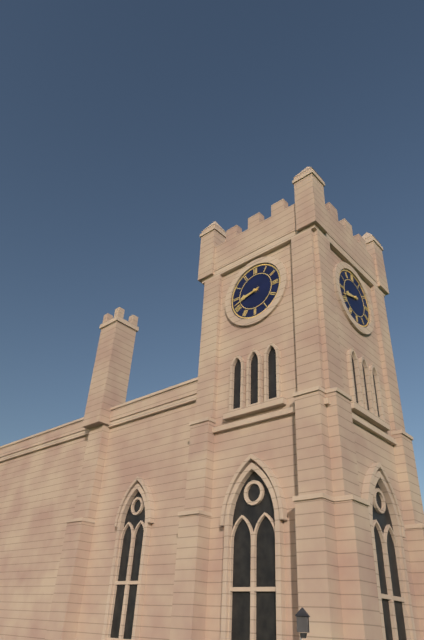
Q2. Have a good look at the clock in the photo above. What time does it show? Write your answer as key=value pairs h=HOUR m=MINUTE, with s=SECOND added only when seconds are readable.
h=8 m=42
